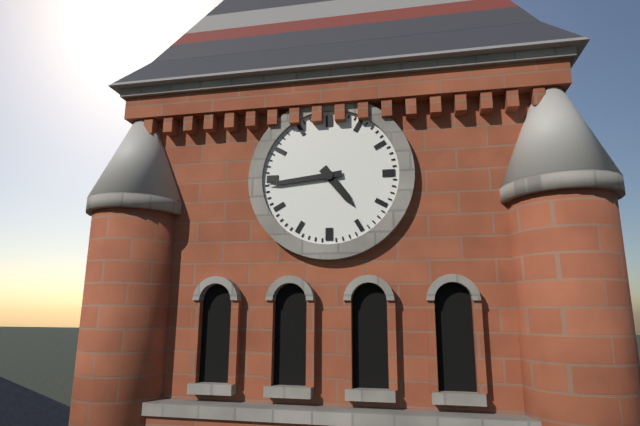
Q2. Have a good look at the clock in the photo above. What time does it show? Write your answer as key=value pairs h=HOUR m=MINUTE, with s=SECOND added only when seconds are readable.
h=4 m=44
